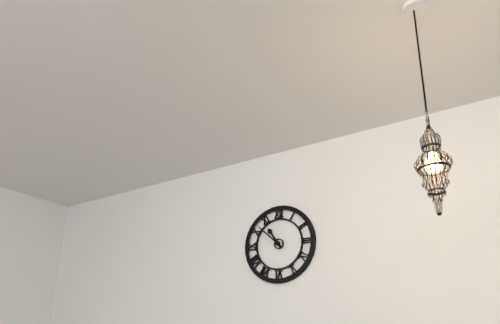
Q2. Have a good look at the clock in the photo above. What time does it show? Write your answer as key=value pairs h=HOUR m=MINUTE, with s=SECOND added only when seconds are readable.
h=10 m=52
